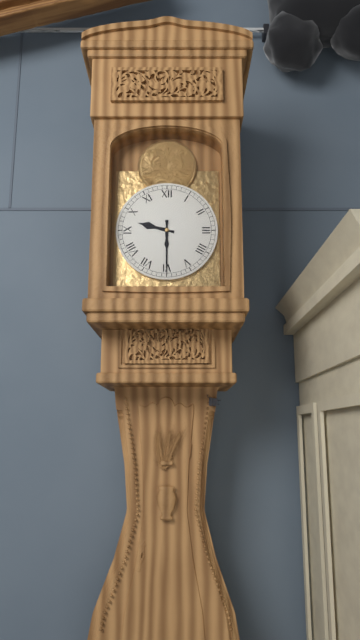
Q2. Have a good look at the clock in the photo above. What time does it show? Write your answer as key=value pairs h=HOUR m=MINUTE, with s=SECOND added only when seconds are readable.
h=9 m=30
